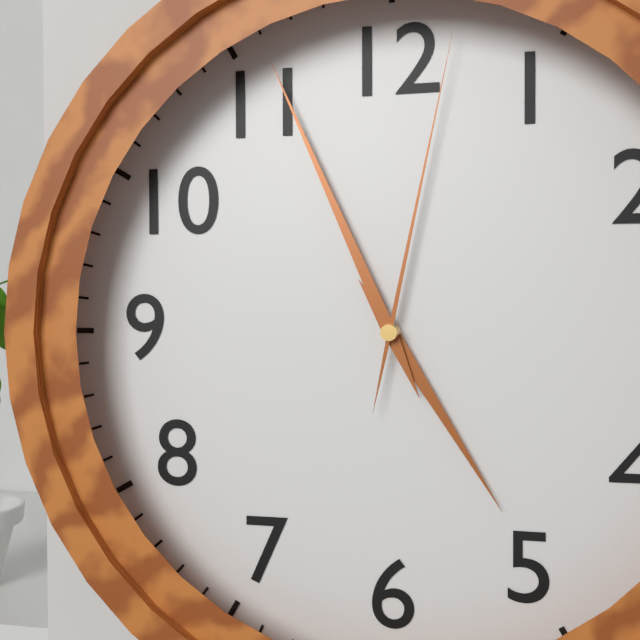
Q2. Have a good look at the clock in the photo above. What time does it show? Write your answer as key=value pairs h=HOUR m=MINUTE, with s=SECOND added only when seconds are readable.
h=4 m=56 s=2
